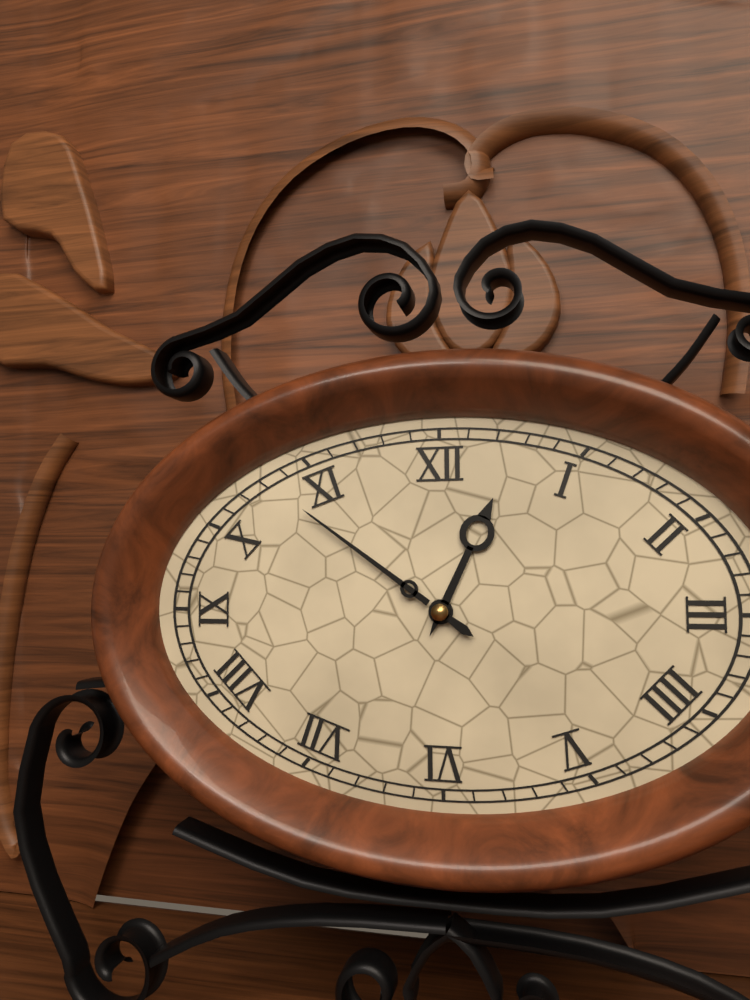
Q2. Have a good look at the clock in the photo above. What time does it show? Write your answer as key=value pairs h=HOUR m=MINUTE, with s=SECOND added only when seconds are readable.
h=12 m=51
